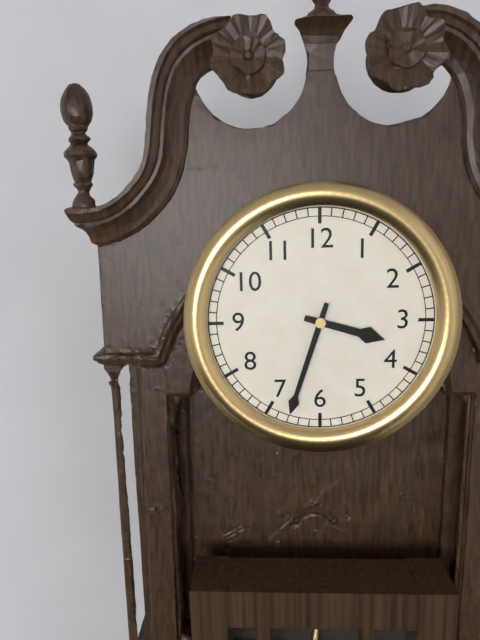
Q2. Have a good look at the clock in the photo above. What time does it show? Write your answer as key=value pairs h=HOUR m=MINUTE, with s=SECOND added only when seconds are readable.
h=3 m=33
